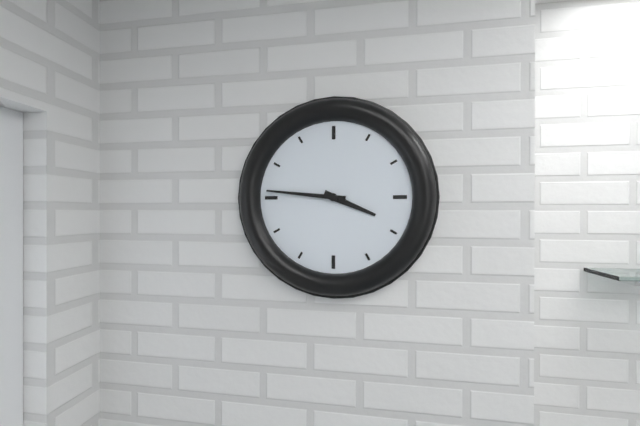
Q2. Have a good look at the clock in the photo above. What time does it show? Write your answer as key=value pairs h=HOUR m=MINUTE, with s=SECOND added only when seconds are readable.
h=3 m=46
